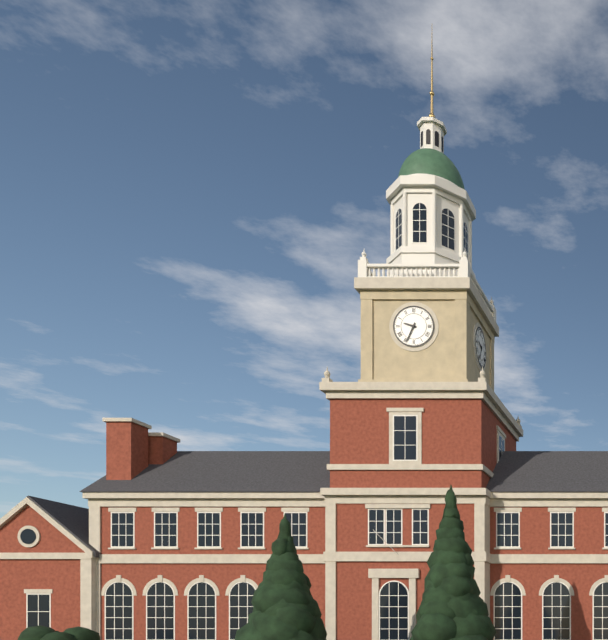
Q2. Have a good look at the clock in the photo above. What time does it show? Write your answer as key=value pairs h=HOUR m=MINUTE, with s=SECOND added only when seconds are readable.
h=9 m=34
